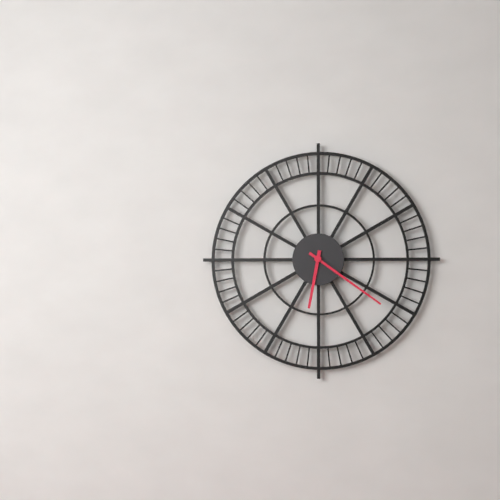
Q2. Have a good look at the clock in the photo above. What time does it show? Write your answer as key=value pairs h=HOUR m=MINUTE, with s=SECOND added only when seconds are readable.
h=6 m=21
